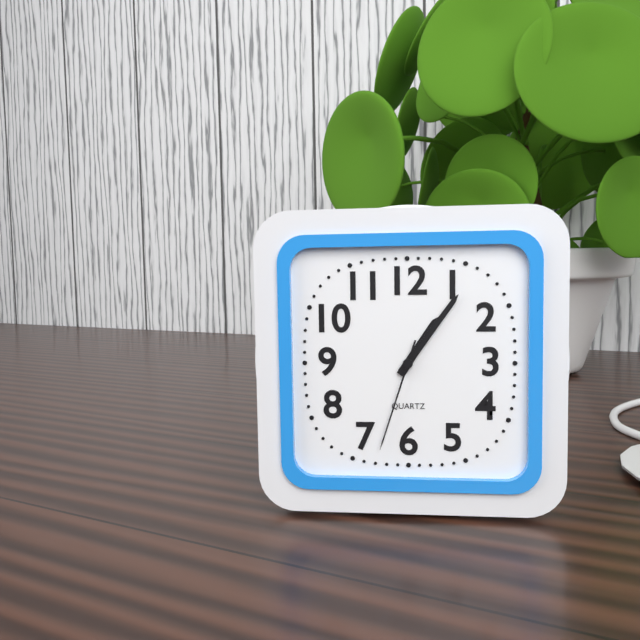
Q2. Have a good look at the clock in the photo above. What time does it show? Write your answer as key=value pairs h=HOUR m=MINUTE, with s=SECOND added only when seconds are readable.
h=1 m=6 s=33
